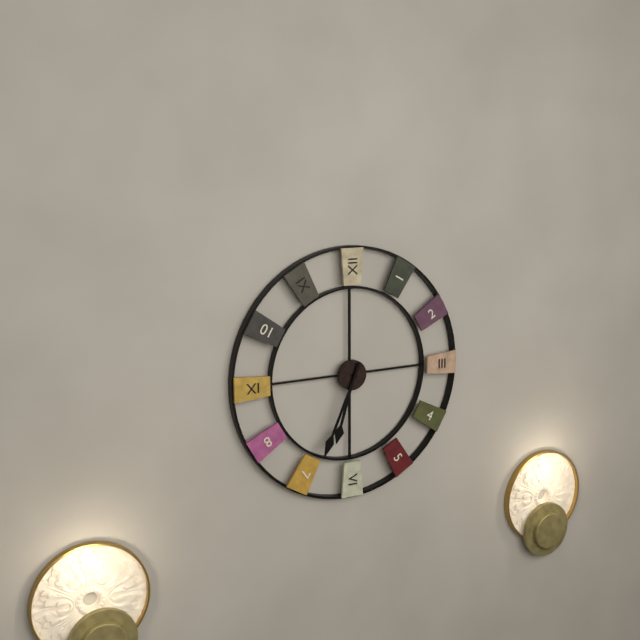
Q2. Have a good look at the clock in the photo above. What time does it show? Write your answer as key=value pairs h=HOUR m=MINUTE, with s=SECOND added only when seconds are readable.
h=6 m=34
